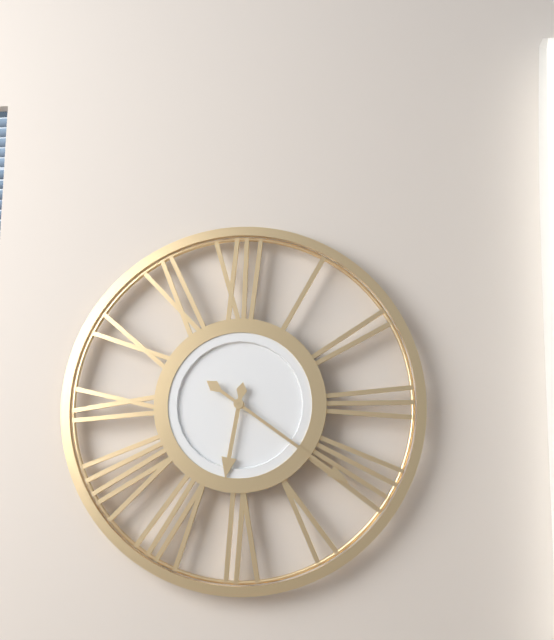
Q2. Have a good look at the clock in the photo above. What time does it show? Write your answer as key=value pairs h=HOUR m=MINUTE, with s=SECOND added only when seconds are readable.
h=6 m=21
